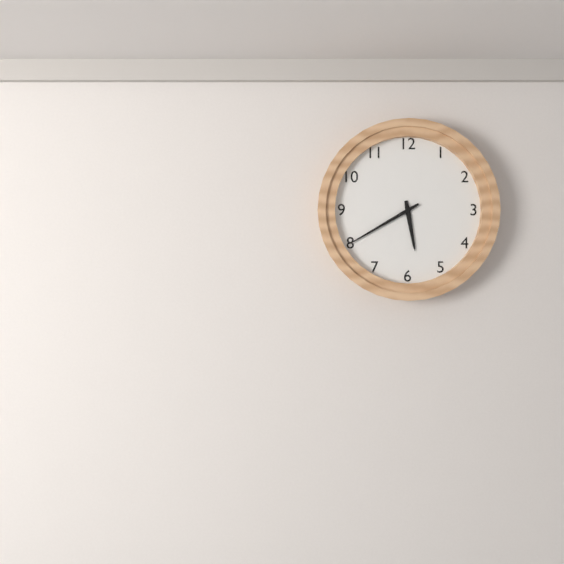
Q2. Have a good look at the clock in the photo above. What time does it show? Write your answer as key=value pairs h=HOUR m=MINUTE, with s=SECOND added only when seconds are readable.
h=5 m=40
